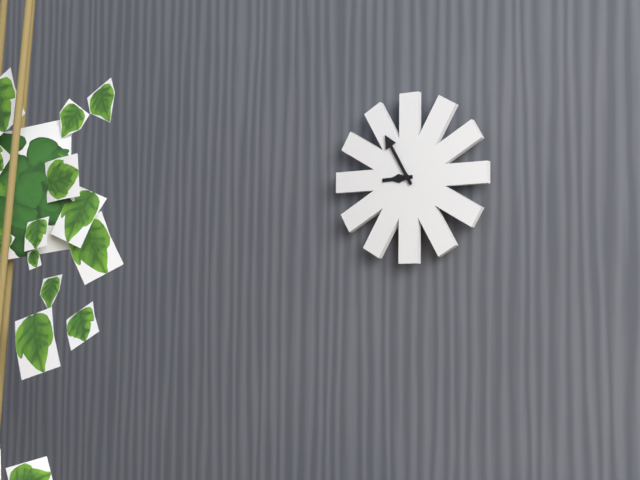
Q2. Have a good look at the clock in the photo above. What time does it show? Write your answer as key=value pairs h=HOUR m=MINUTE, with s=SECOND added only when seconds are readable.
h=8 m=55
